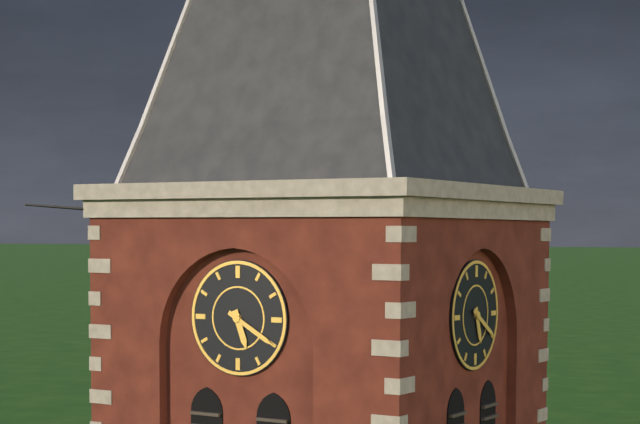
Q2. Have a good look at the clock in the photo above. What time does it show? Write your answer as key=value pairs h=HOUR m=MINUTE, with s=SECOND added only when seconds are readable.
h=5 m=20
